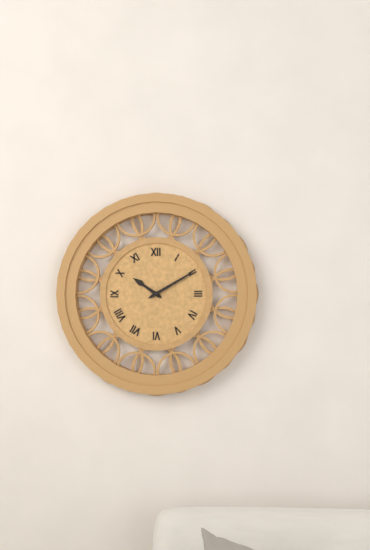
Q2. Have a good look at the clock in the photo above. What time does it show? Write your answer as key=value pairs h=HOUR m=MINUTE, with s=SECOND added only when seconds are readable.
h=10 m=10
